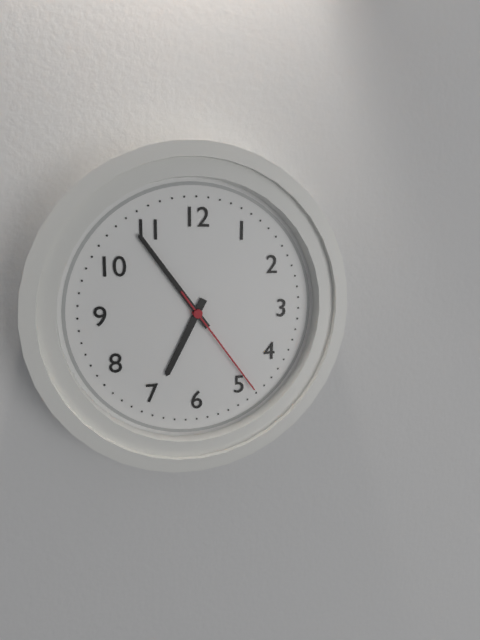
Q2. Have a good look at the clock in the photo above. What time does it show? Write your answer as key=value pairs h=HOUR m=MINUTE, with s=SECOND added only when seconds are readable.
h=6 m=54 s=24
